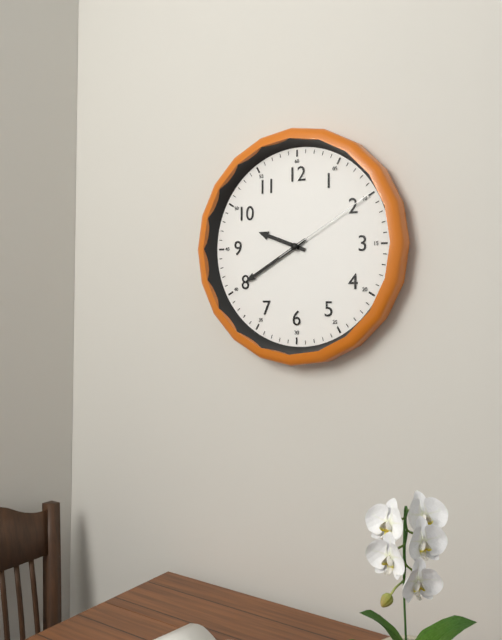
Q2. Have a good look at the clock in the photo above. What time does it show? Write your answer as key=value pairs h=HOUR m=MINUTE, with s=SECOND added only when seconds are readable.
h=9 m=40 s=10
